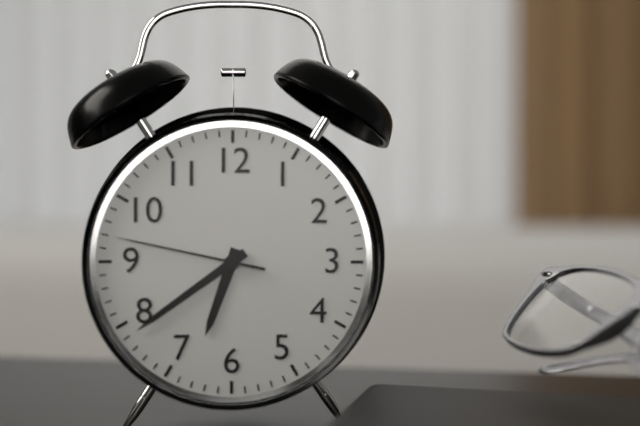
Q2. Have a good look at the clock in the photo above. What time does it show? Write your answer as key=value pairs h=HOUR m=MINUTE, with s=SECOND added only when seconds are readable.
h=6 m=39 s=47
